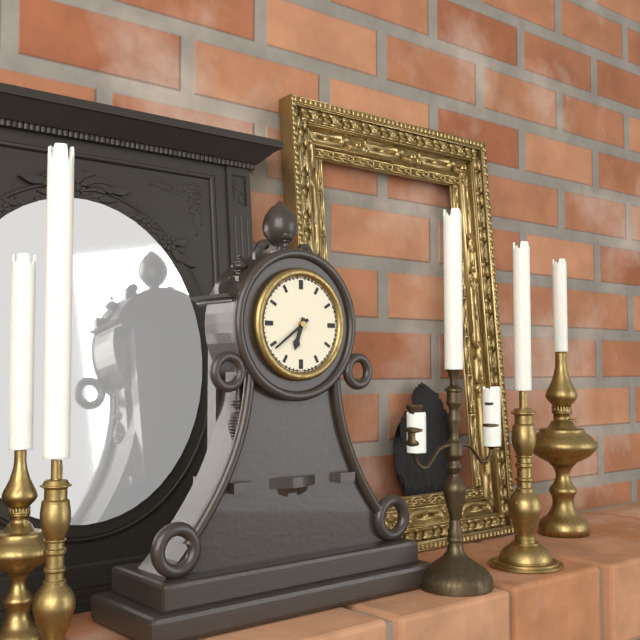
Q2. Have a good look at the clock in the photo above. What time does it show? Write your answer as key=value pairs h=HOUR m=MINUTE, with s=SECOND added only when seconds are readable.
h=6 m=39
